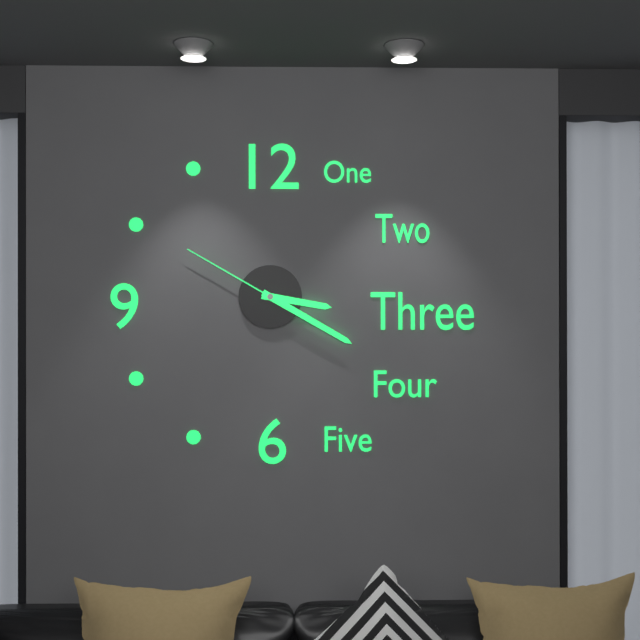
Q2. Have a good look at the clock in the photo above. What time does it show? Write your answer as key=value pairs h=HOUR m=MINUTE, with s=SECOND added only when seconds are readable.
h=3 m=20 s=50
